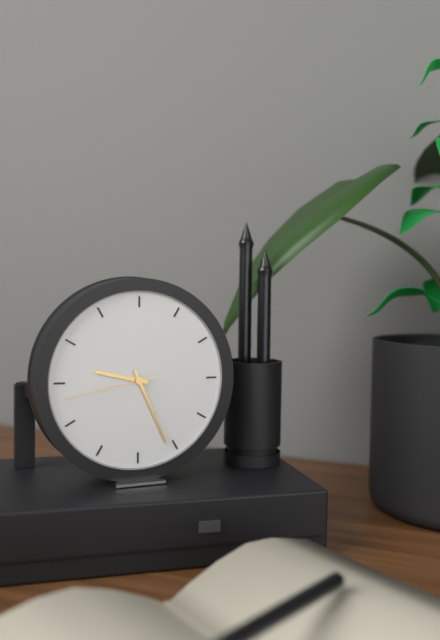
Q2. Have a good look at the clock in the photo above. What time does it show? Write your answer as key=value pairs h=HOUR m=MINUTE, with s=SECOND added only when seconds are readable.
h=9 m=26 s=43
